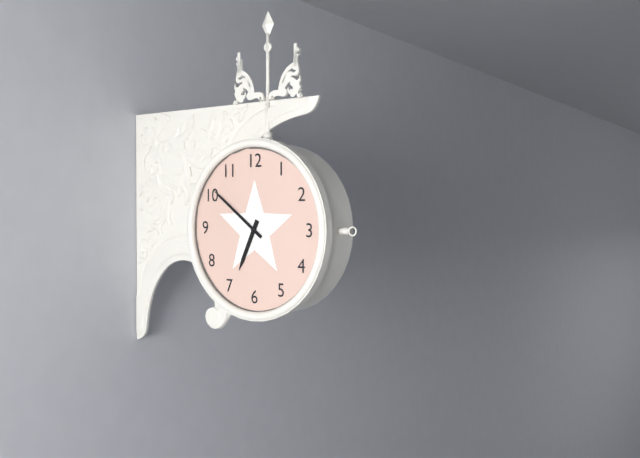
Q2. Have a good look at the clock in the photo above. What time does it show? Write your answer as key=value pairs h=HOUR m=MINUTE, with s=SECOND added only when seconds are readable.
h=6 m=51
